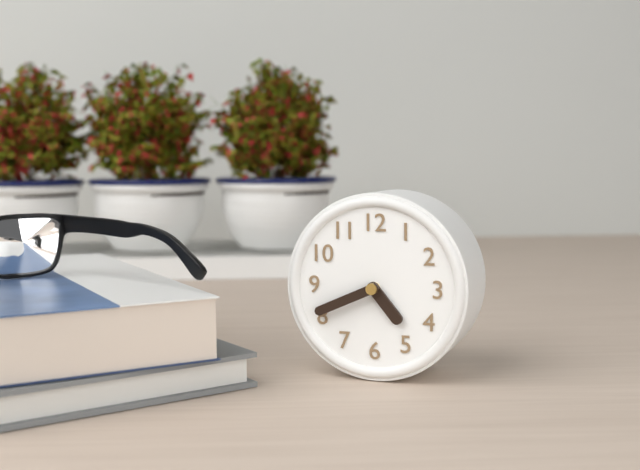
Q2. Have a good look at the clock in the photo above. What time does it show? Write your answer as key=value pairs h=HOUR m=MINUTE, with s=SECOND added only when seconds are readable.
h=4 m=41
